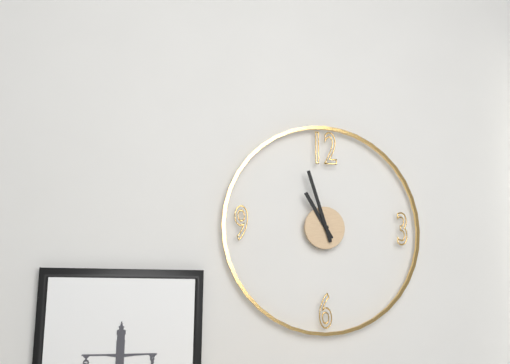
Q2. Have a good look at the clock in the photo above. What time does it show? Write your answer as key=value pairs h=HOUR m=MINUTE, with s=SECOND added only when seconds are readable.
h=10 m=57
